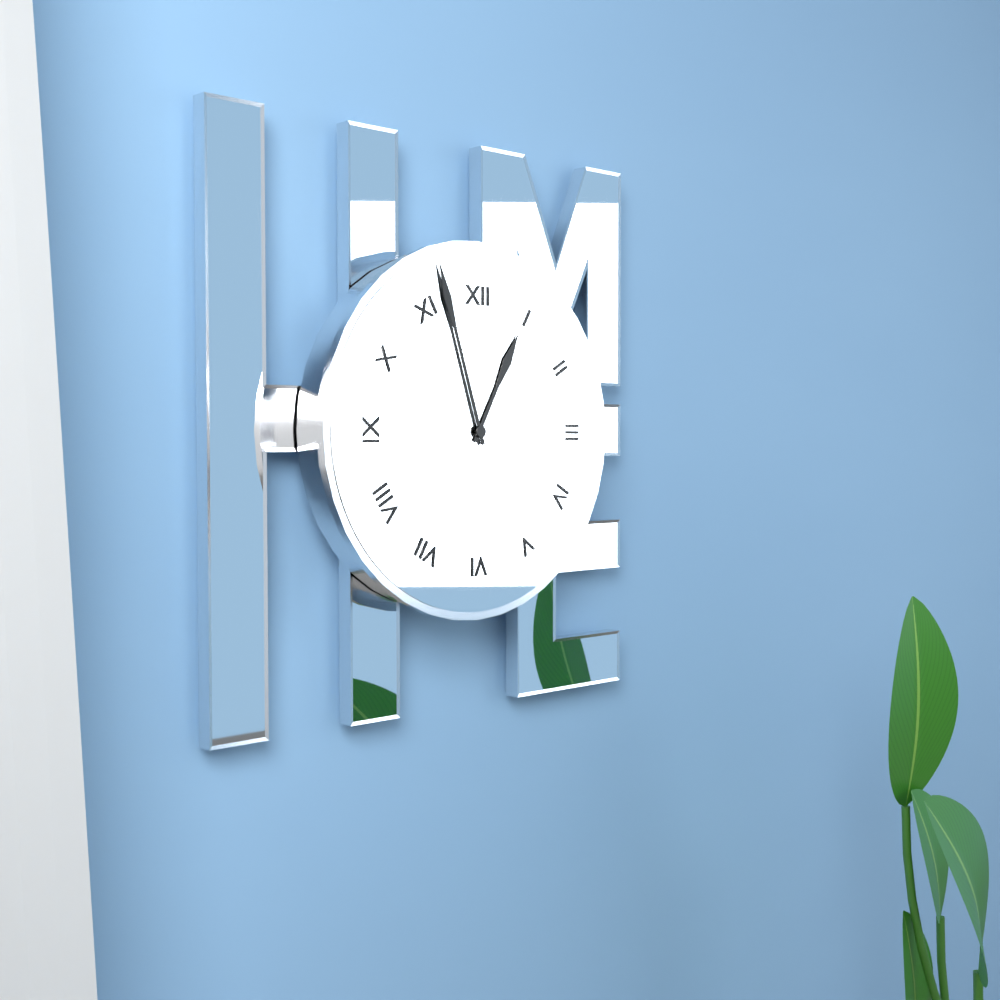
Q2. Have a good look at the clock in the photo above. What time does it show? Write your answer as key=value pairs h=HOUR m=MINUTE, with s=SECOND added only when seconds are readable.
h=12 m=57
